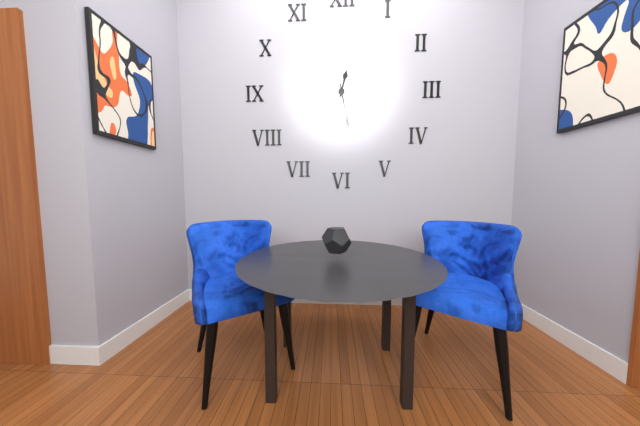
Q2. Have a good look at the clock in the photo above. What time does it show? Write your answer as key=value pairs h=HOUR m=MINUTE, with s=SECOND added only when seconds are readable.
h=12 m=28
